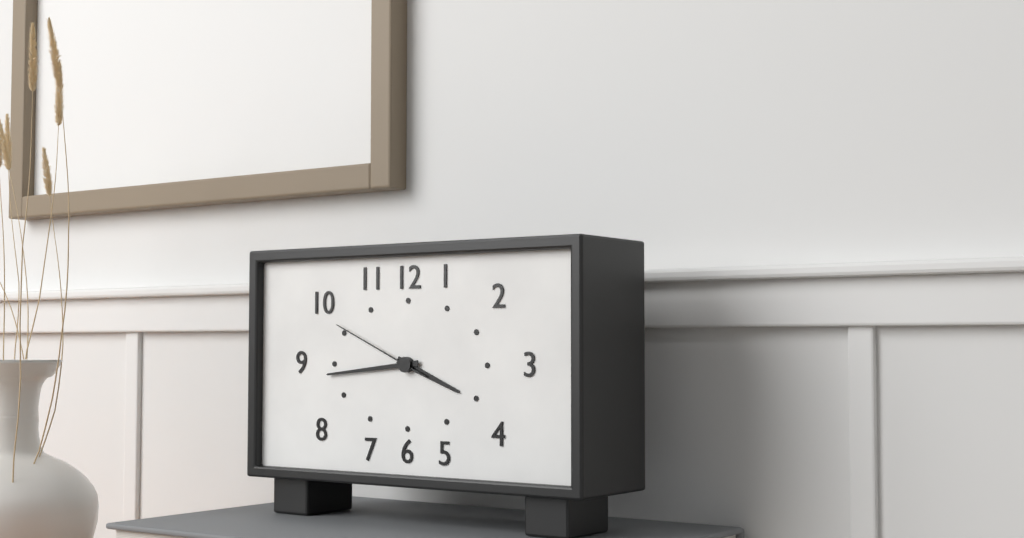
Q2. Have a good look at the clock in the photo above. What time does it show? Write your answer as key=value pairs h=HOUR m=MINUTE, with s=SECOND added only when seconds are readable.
h=3 m=44 s=49
